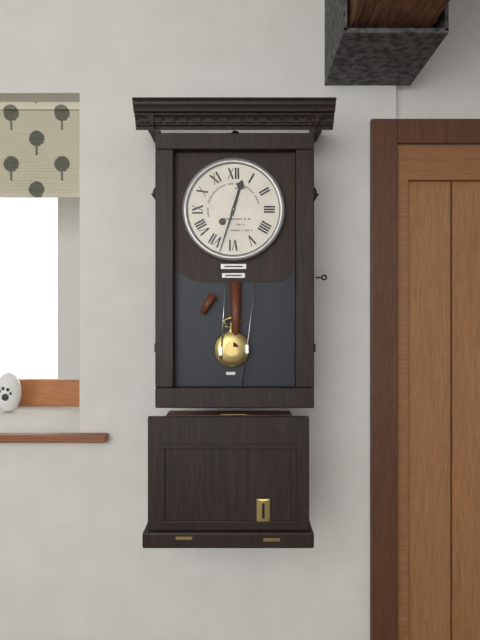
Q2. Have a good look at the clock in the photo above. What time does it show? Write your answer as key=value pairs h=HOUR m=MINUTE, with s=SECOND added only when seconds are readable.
h=12 m=33
